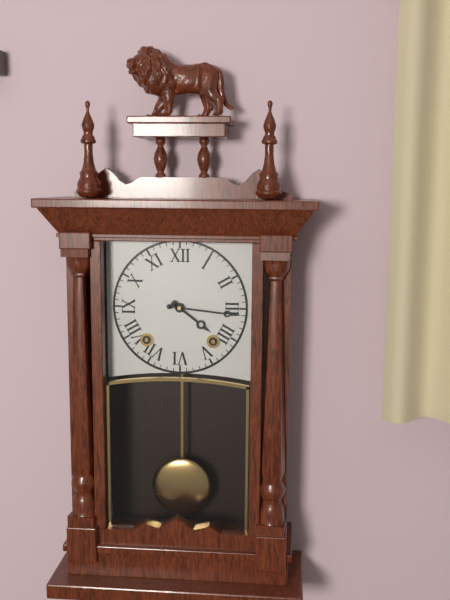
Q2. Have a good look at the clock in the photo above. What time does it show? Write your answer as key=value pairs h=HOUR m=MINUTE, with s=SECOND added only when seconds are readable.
h=4 m=16
